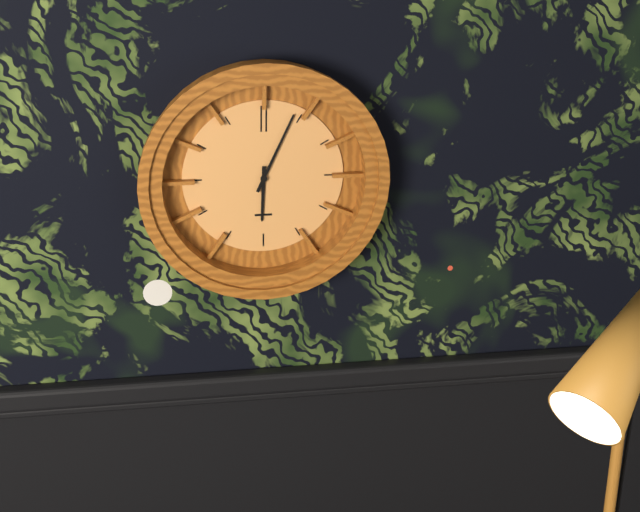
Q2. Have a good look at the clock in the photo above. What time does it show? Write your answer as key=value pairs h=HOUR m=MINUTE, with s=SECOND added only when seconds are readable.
h=6 m=4
